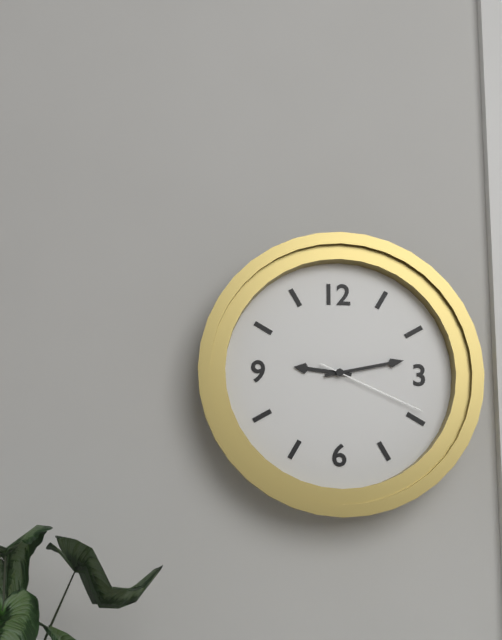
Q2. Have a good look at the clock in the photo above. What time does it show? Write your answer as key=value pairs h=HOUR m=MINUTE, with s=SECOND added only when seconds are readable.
h=9 m=13 s=19
